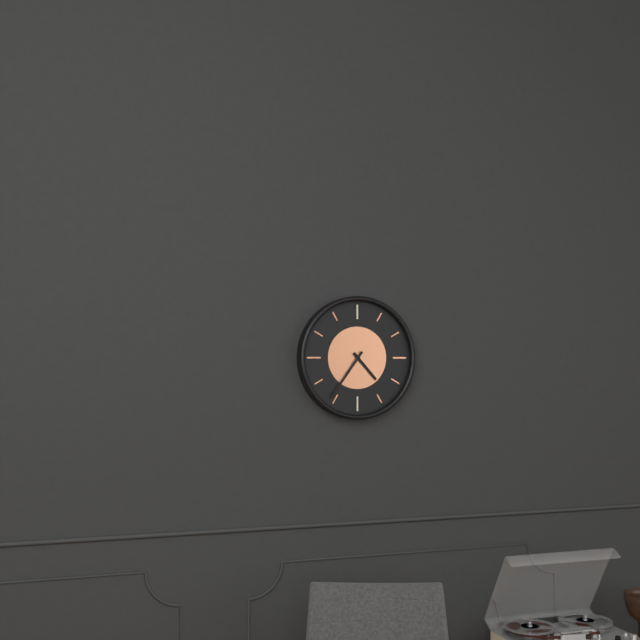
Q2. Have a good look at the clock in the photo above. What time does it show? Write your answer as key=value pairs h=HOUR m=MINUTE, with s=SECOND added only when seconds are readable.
h=4 m=36
